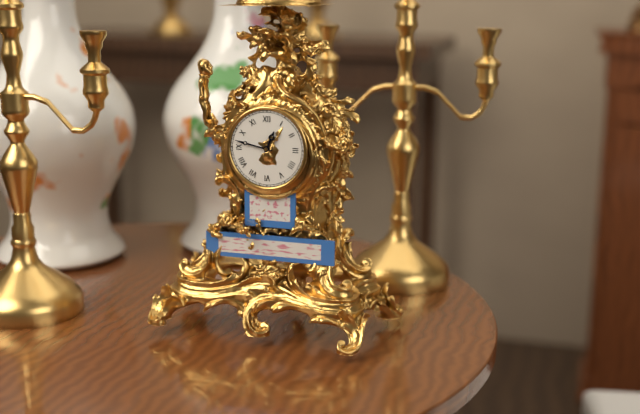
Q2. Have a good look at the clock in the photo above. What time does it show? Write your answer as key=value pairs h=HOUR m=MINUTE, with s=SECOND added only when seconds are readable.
h=12 m=47
